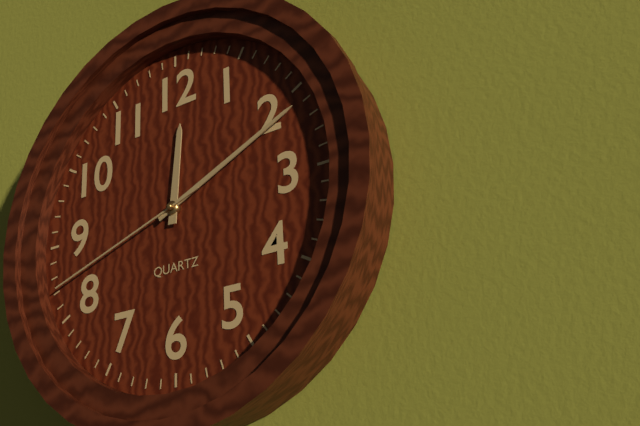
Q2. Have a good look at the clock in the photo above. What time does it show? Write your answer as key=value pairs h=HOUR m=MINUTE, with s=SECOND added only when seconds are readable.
h=12 m=11 s=42
